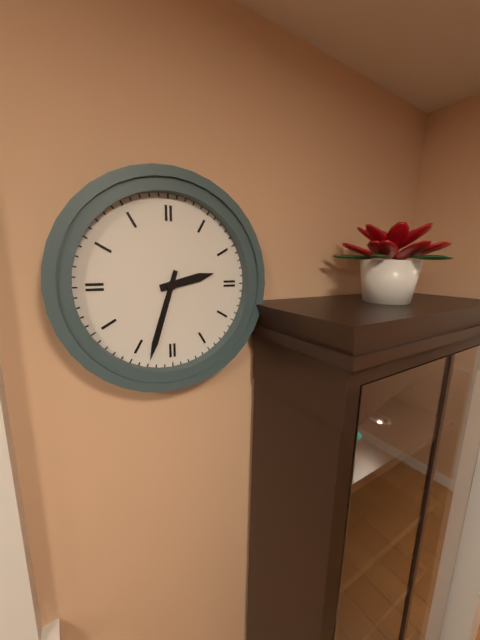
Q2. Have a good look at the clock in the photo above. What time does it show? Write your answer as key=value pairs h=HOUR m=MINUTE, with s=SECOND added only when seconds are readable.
h=2 m=33
